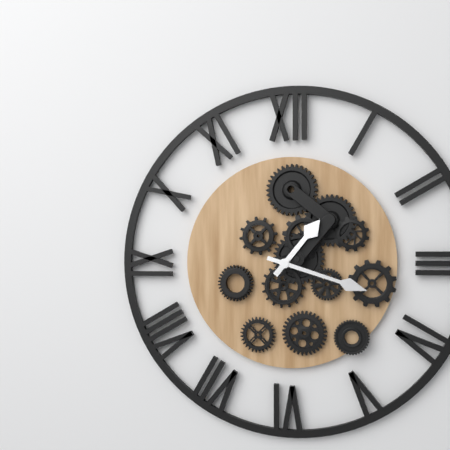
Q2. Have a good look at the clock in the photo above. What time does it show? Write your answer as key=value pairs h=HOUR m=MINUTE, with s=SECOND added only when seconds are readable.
h=1 m=18
